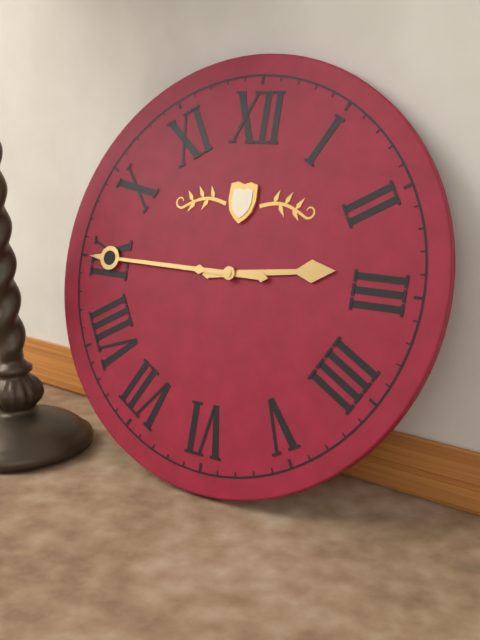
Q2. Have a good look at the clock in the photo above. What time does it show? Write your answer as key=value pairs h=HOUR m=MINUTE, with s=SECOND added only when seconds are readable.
h=2 m=45
